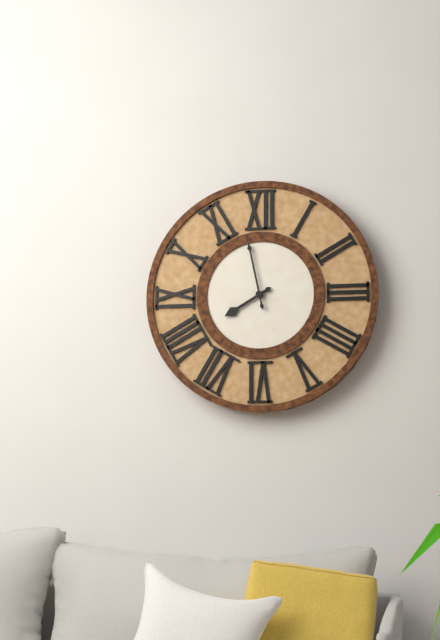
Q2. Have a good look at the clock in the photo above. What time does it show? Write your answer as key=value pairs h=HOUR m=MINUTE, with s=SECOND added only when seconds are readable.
h=7 m=58
